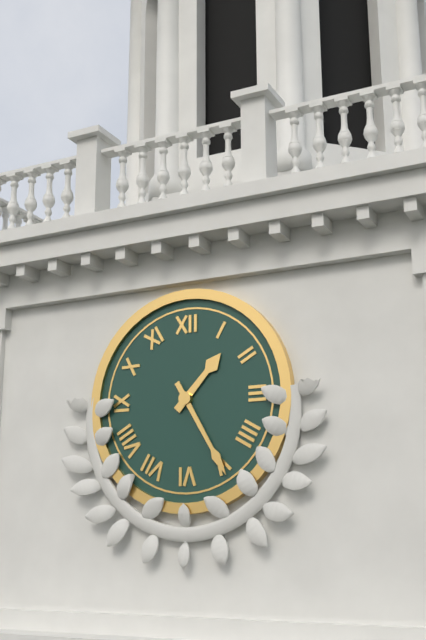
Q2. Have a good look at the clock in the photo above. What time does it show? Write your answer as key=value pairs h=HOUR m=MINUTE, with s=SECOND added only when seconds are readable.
h=1 m=25
